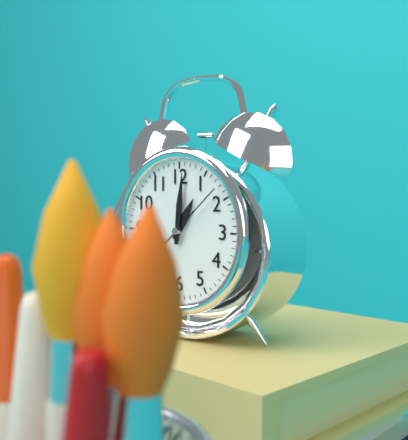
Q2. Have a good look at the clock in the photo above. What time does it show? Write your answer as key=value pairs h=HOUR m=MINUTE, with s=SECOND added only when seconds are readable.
h=1 m=1 s=8
